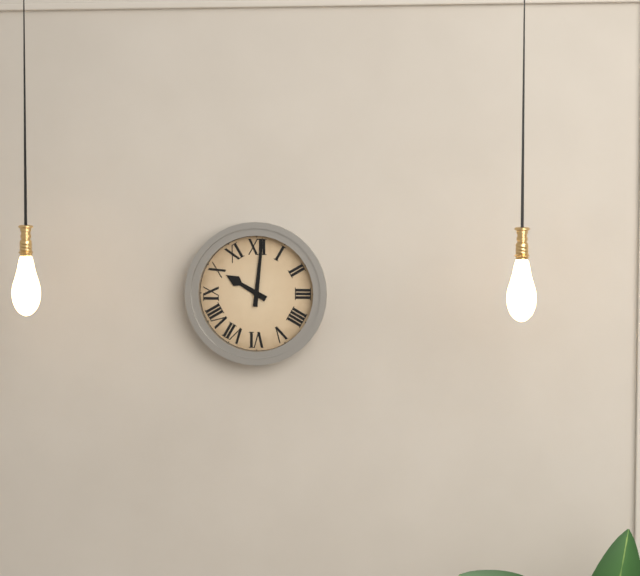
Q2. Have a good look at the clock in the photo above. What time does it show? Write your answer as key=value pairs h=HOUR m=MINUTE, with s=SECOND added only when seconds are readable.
h=10 m=1
